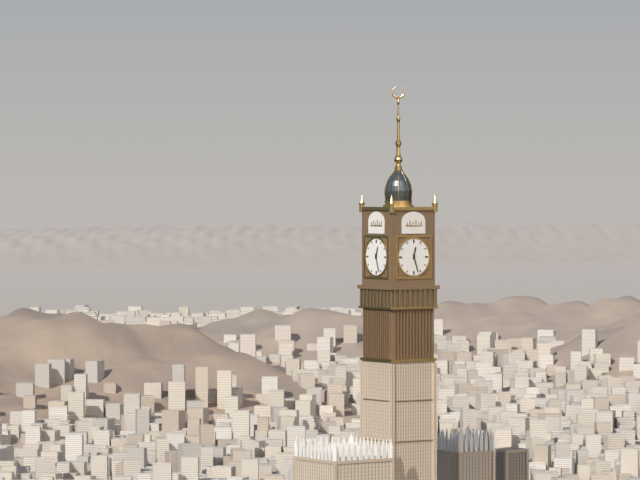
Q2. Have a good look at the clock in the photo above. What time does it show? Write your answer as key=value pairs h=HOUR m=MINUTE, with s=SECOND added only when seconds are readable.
h=12 m=27
